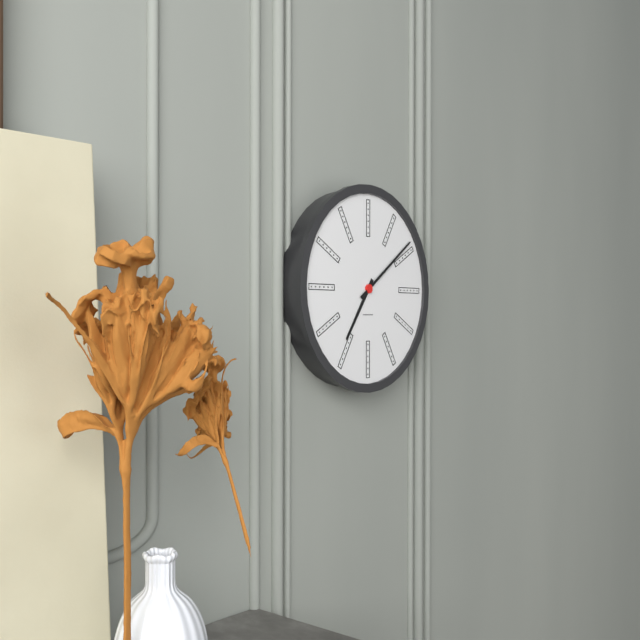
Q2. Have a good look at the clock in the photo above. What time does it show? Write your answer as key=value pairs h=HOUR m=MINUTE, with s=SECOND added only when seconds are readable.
h=7 m=9
